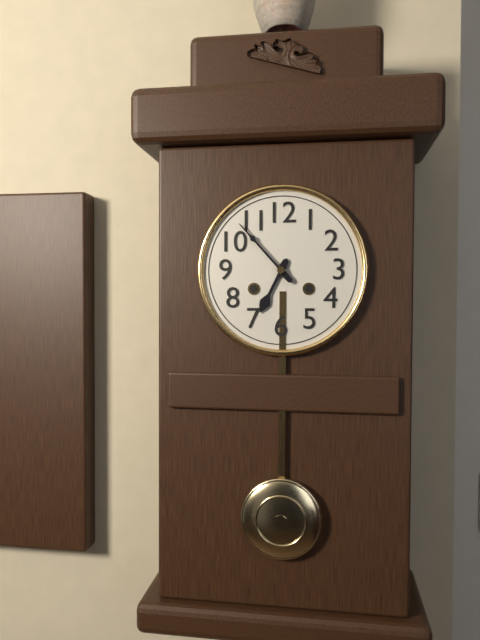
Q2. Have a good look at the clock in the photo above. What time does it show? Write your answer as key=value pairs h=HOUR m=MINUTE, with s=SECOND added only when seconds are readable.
h=6 m=53
